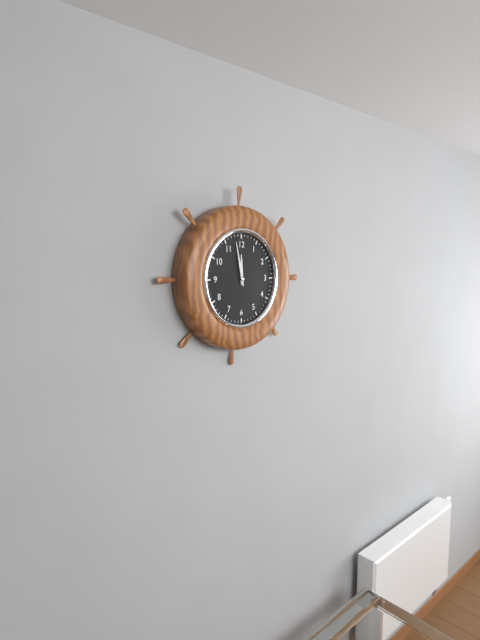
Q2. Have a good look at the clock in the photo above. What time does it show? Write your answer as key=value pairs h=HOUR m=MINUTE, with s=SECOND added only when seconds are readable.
h=11 m=58
